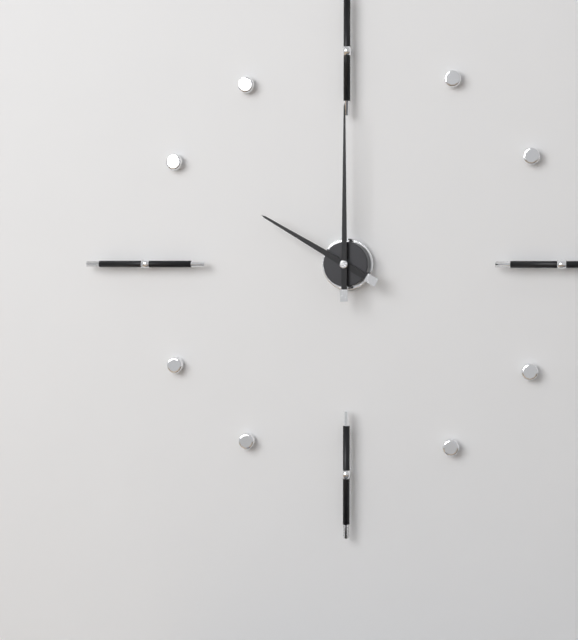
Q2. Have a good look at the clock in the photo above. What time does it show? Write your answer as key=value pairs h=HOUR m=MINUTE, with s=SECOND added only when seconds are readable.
h=10 m=0
